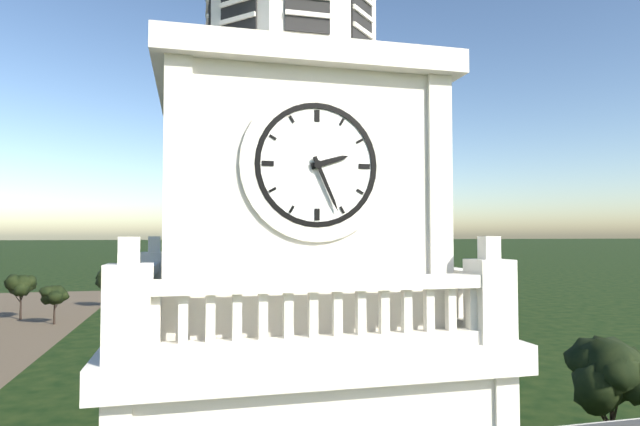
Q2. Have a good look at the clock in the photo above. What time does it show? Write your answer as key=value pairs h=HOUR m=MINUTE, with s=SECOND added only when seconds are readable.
h=2 m=26
